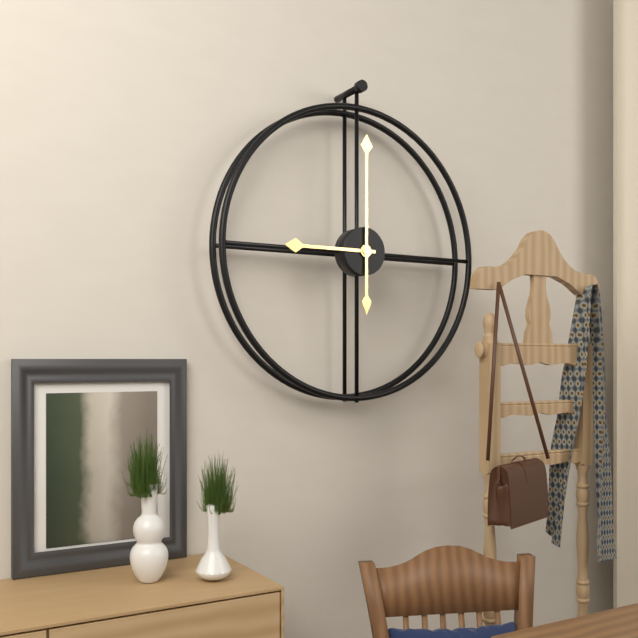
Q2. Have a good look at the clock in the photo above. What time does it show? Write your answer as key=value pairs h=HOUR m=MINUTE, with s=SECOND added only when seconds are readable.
h=9 m=0
